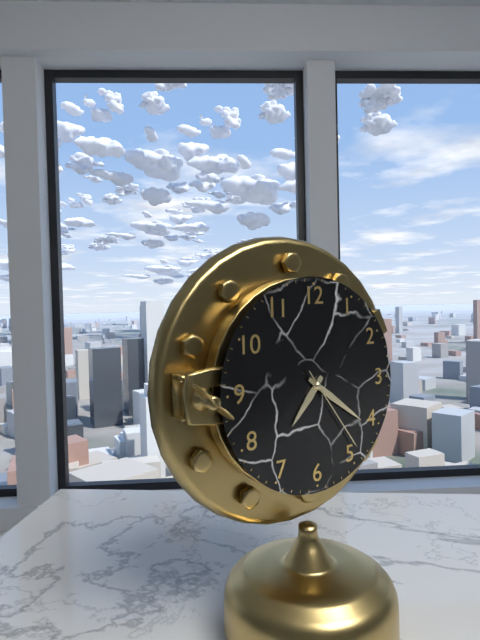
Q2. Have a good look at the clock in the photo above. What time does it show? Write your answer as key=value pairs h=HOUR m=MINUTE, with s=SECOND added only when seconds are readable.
h=7 m=21 s=24
